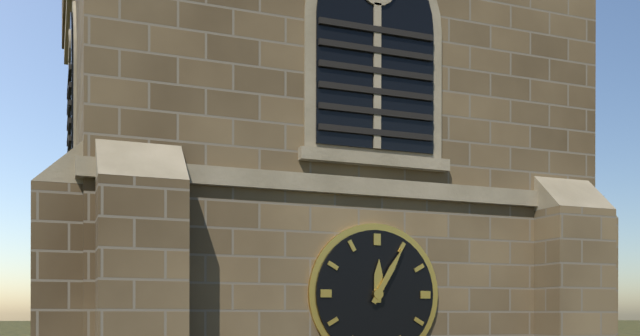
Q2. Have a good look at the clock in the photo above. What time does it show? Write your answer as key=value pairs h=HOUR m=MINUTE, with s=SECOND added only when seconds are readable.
h=12 m=5
